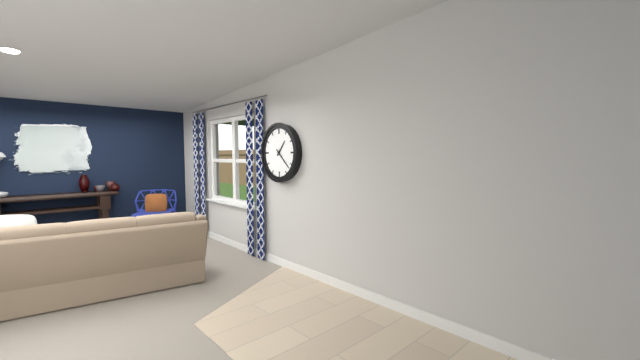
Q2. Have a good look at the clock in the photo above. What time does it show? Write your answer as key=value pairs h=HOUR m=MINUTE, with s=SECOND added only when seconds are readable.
h=1 m=22
